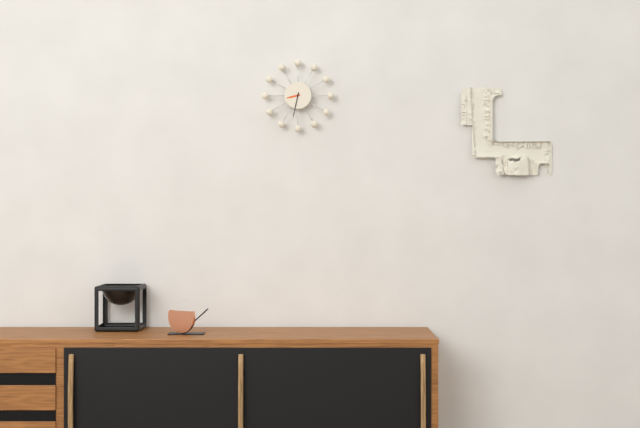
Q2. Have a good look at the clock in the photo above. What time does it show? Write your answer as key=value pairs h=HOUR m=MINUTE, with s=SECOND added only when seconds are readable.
h=8 m=32
